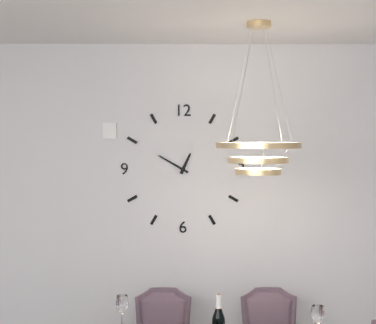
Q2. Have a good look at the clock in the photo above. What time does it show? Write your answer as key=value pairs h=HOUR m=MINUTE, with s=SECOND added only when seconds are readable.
h=12 m=50
